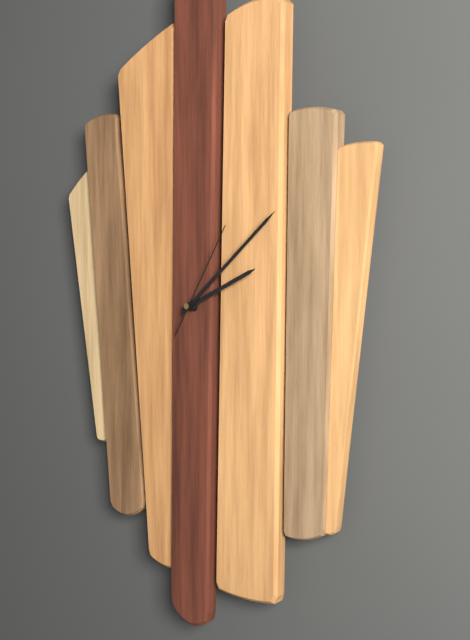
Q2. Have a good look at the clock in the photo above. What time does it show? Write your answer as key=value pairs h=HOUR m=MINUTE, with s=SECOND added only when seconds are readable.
h=2 m=8 s=5
